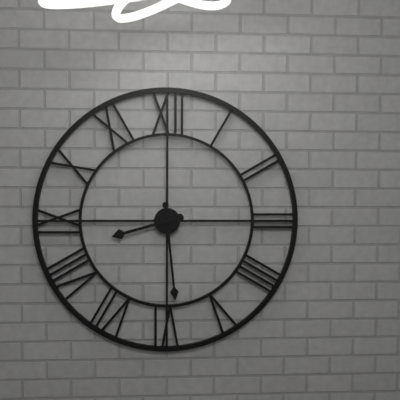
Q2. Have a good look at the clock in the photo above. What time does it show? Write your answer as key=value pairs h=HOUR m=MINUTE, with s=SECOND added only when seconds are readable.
h=8 m=29
